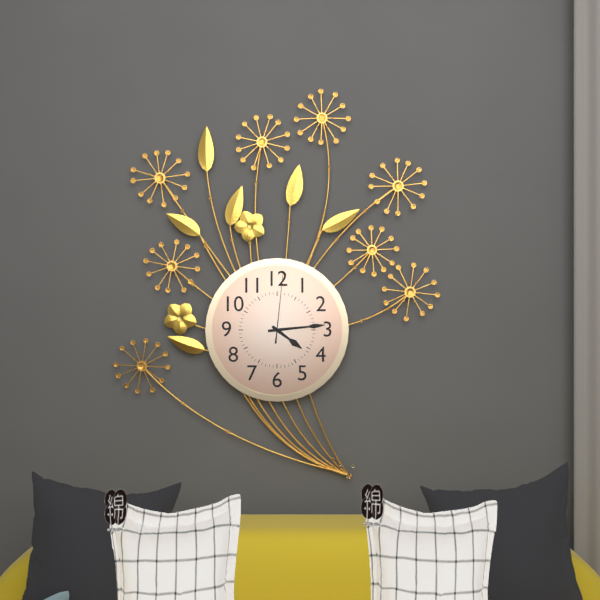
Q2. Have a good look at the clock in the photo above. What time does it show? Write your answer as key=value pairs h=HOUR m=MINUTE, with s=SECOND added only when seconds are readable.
h=4 m=14 s=1
